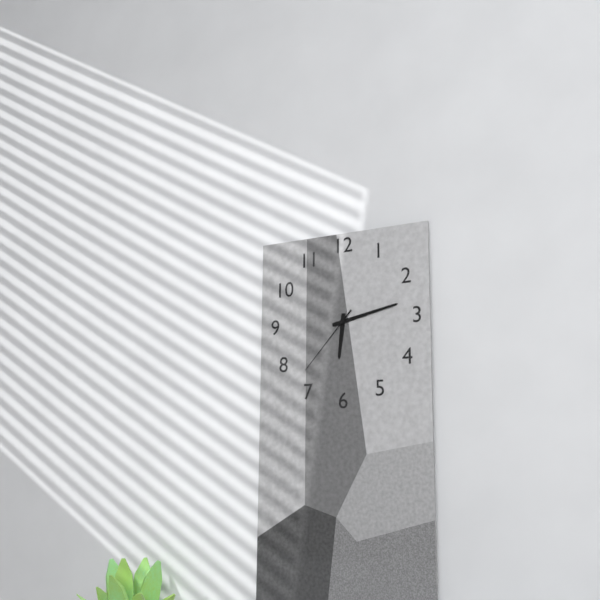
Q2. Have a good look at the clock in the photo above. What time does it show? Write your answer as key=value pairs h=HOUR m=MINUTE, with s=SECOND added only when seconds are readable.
h=6 m=13 s=37
